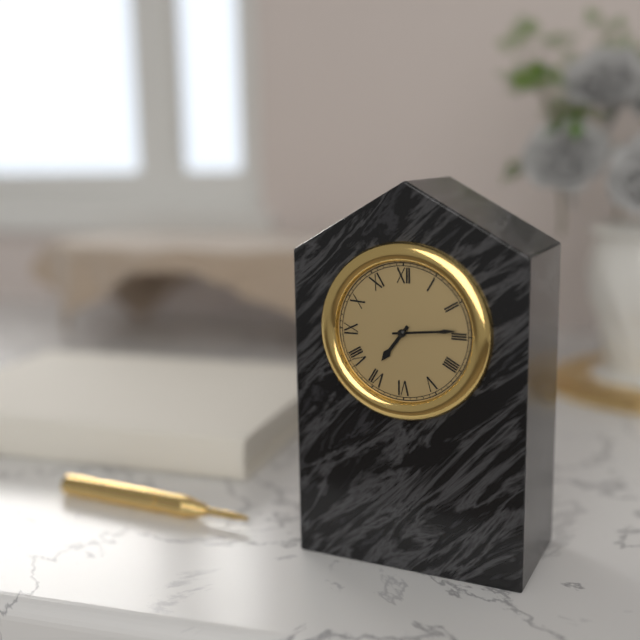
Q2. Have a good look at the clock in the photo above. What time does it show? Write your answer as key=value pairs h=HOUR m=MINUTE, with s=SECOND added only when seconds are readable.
h=7 m=14
